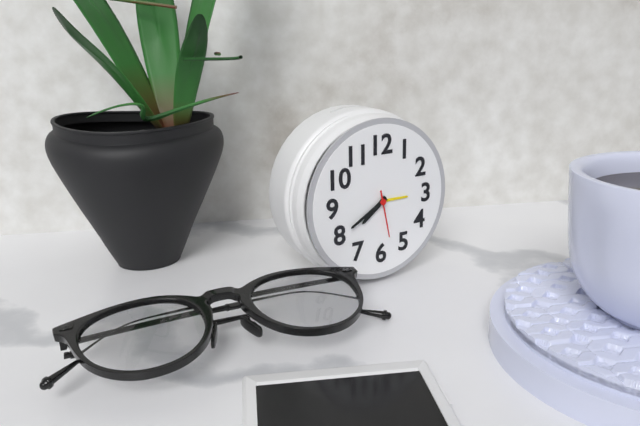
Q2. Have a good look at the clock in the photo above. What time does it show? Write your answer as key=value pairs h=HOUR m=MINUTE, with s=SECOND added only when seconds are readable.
h=7 m=40
